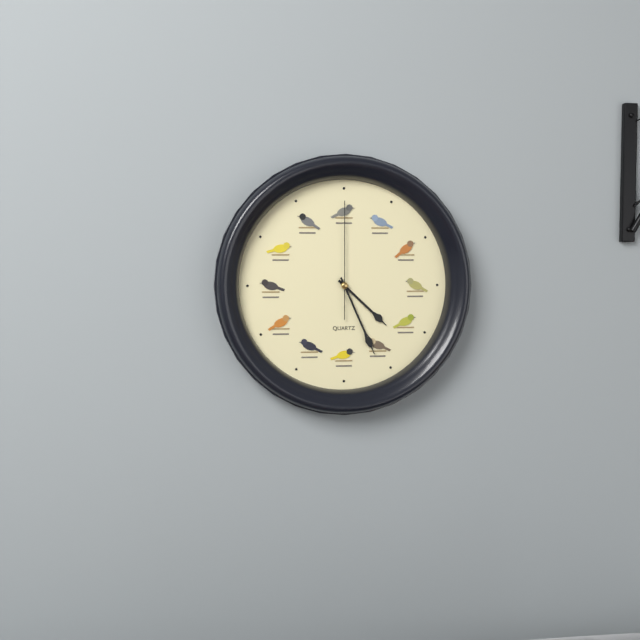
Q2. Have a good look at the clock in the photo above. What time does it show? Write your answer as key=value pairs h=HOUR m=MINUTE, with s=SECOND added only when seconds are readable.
h=4 m=26 s=0
